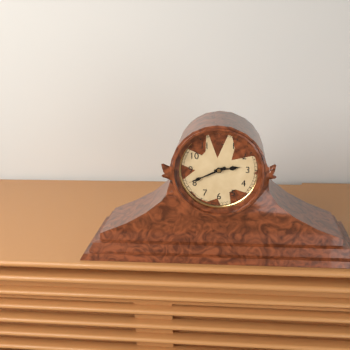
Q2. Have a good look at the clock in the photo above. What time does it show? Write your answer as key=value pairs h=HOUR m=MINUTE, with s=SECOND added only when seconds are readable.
h=2 m=41
